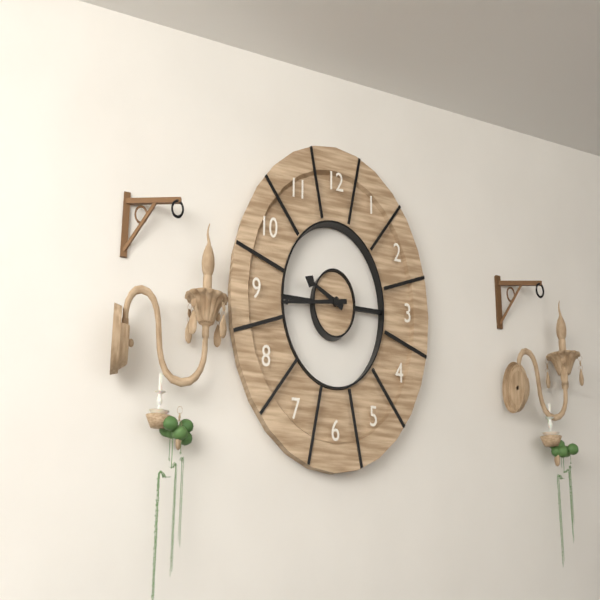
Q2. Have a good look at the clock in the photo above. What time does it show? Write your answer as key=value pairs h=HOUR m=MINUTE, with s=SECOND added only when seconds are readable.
h=9 m=44
